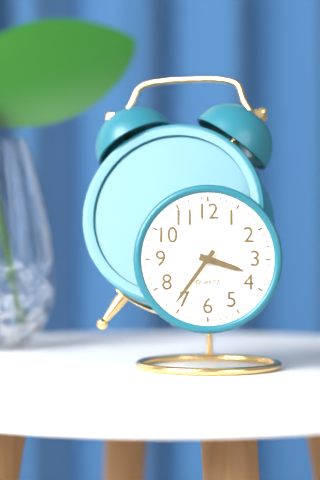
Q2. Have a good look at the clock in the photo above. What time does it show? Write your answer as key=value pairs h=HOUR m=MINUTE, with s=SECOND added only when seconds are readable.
h=3 m=36
